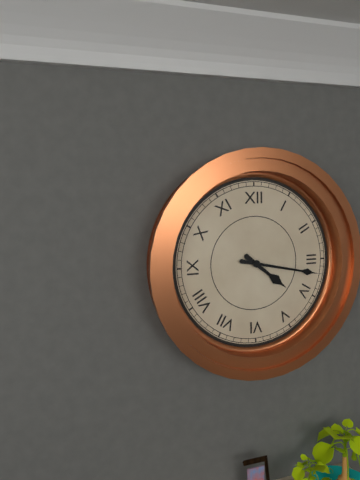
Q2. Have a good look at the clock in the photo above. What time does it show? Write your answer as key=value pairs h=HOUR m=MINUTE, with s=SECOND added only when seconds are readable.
h=4 m=17
